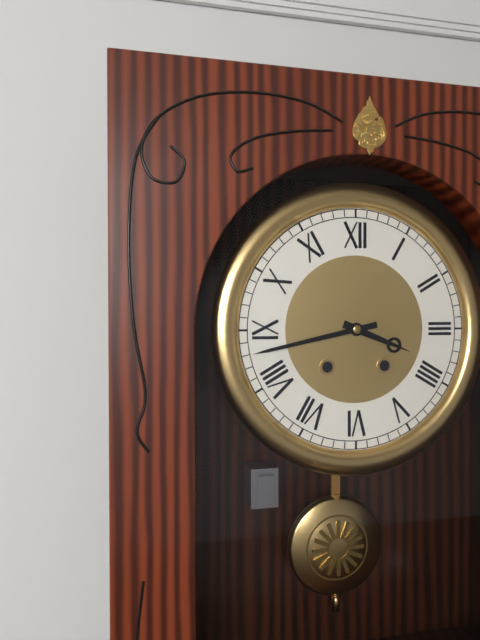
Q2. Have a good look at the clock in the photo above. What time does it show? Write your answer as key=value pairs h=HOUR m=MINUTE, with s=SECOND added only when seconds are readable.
h=3 m=43
